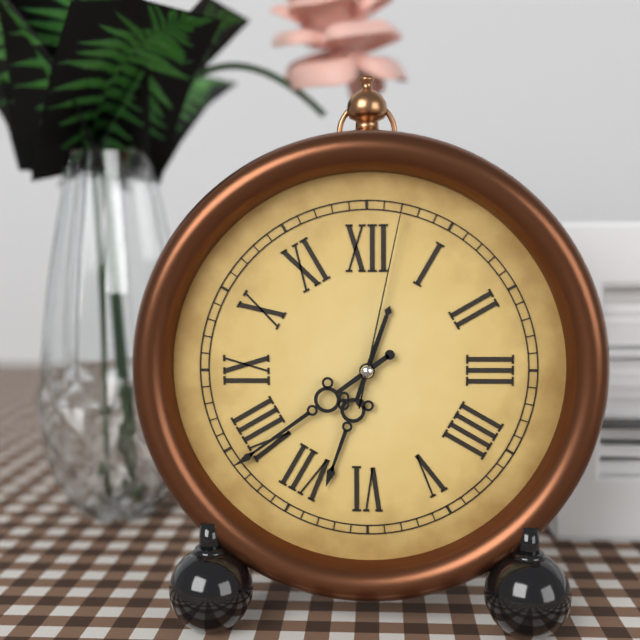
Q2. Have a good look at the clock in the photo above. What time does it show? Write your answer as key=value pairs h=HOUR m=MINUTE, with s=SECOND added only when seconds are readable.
h=6 m=39 s=2
